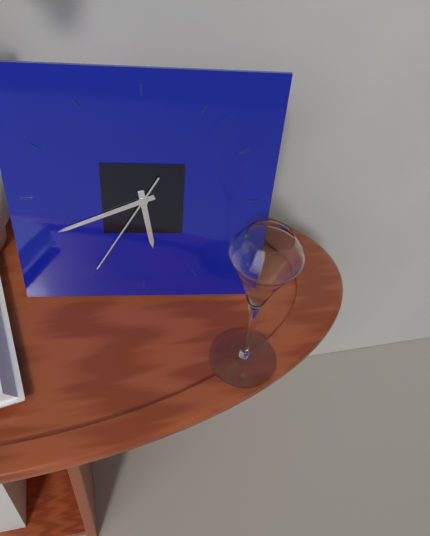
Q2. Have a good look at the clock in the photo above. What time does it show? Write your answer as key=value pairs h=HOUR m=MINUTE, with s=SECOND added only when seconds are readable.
h=5 m=41 s=35
